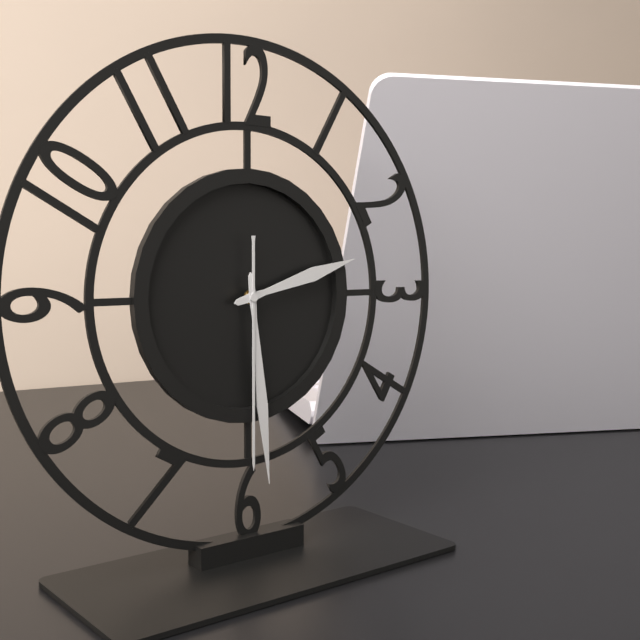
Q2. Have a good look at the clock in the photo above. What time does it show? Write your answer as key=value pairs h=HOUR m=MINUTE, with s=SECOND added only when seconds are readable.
h=2 m=29 s=30
